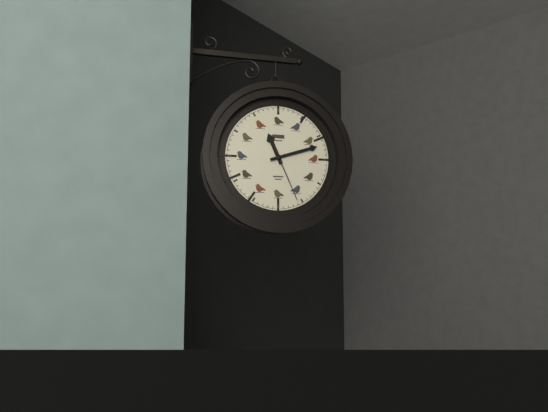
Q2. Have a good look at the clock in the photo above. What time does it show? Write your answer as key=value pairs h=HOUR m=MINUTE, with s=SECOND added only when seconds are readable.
h=11 m=12 s=26
